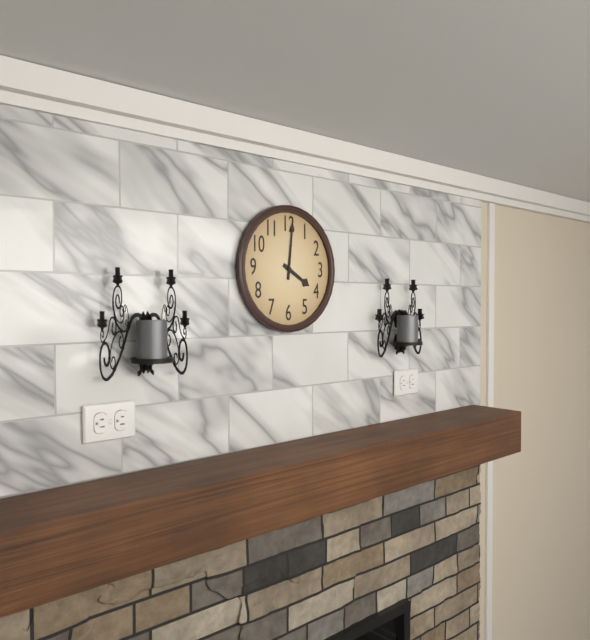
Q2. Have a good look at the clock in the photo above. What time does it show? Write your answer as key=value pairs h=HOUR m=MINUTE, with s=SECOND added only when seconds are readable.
h=4 m=1
